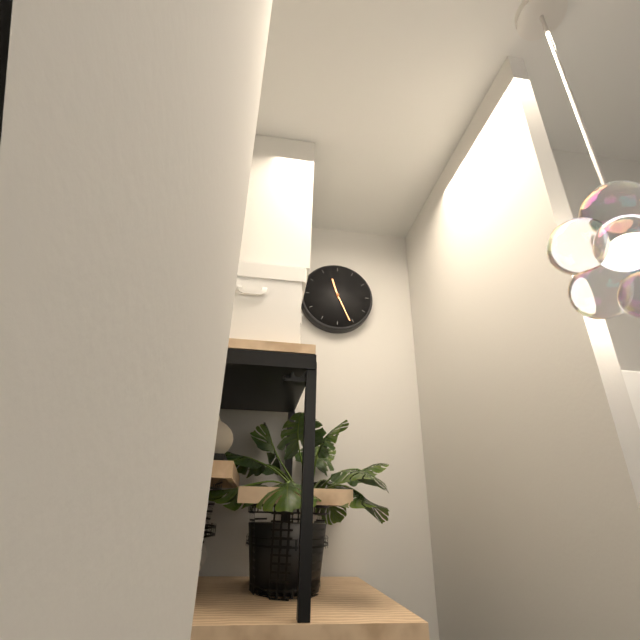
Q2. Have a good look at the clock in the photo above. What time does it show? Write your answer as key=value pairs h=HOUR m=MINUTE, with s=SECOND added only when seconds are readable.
h=11 m=26
